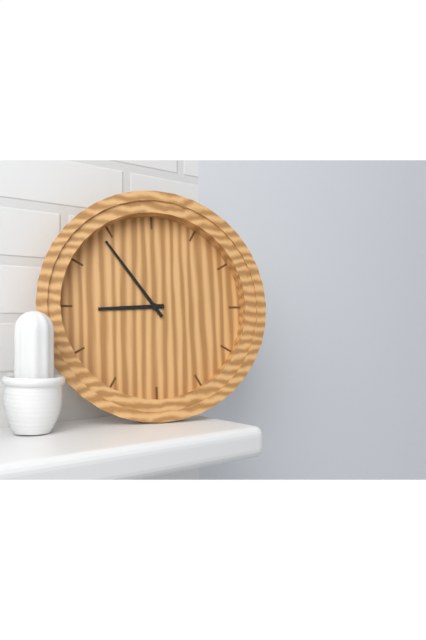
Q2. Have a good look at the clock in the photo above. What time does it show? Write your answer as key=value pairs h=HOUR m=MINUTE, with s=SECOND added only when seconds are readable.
h=8 m=54
